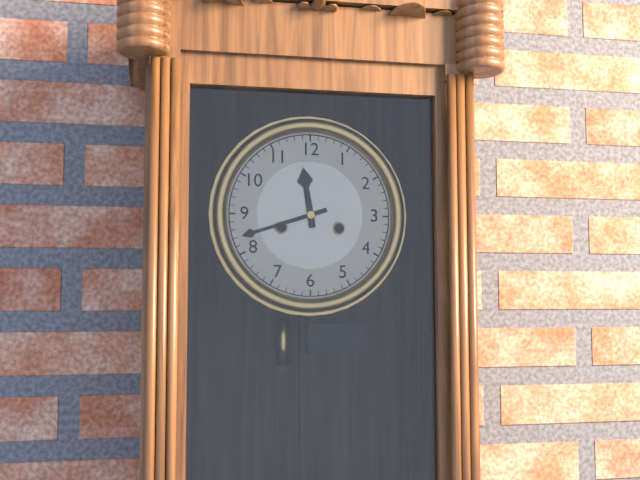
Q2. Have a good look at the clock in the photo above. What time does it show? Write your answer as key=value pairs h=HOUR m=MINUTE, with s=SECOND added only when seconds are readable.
h=11 m=42
